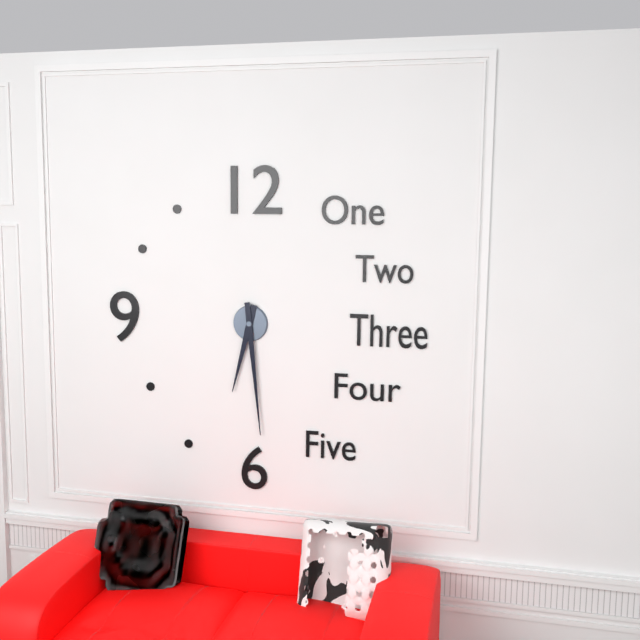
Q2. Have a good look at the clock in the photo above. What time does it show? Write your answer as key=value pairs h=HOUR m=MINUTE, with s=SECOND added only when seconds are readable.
h=6 m=29
